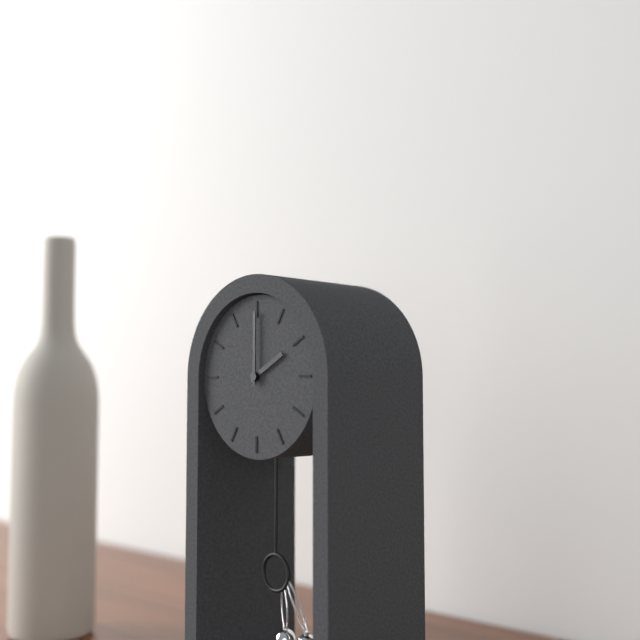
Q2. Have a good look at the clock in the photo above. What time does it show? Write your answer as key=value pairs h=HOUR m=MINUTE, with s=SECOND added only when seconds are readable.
h=2 m=0
